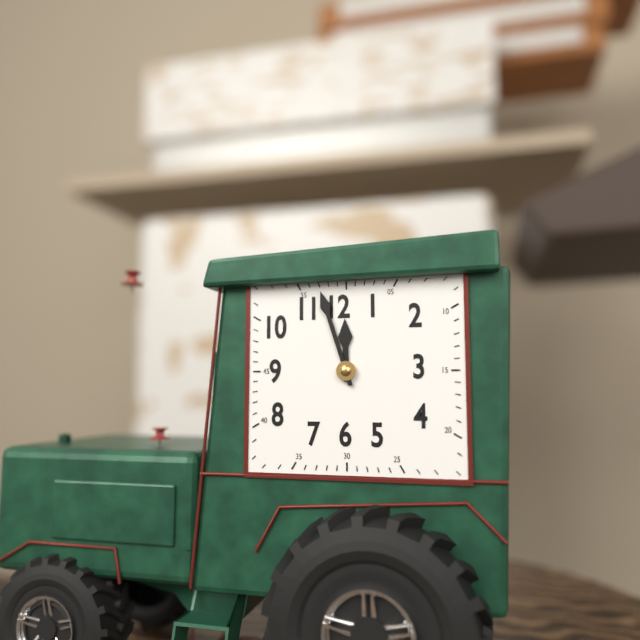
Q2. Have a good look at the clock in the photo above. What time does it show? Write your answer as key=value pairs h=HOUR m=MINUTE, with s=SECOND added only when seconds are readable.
h=11 m=57
